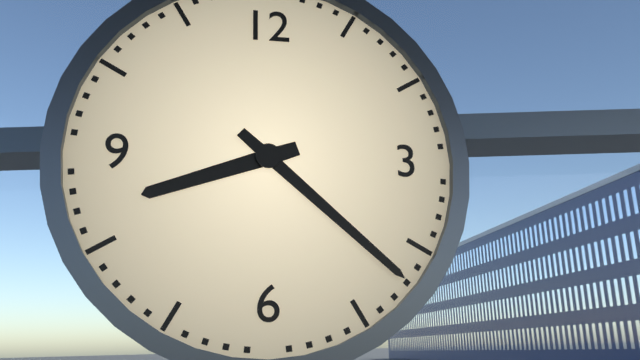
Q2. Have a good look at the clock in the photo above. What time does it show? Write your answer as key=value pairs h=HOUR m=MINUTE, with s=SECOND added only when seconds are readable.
h=8 m=22
